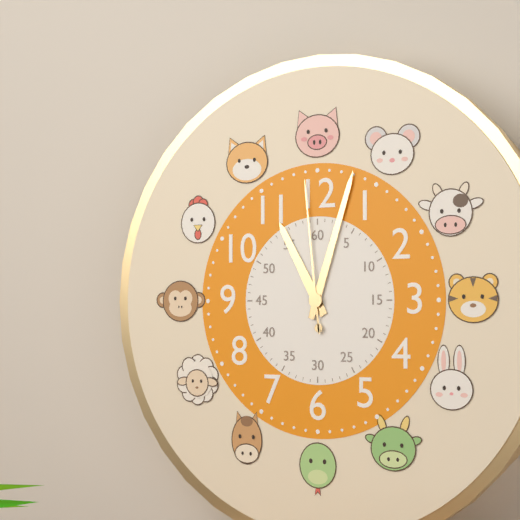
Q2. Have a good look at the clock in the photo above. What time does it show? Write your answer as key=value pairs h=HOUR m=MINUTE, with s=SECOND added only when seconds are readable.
h=11 m=3 s=59
